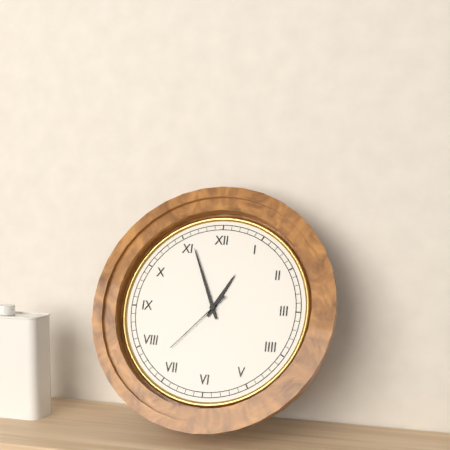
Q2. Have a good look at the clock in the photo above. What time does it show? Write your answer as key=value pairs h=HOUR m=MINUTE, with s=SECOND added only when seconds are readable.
h=12 m=56 s=37
